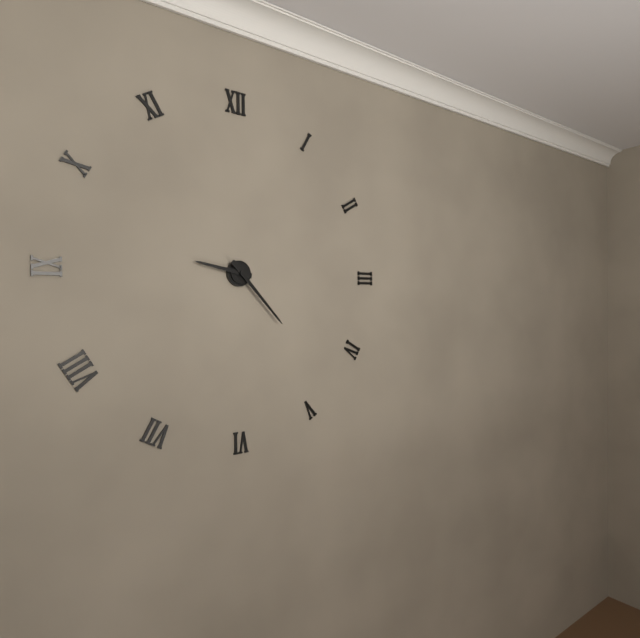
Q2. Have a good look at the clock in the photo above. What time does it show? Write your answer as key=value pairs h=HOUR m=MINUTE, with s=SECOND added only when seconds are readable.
h=9 m=23
